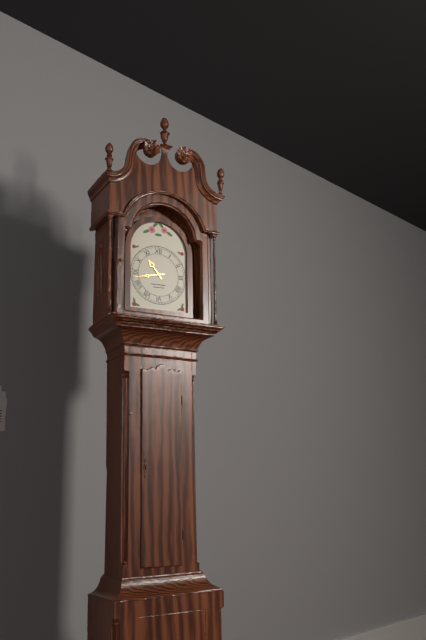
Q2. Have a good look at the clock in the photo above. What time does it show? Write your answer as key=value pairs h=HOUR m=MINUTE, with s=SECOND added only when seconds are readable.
h=10 m=43
